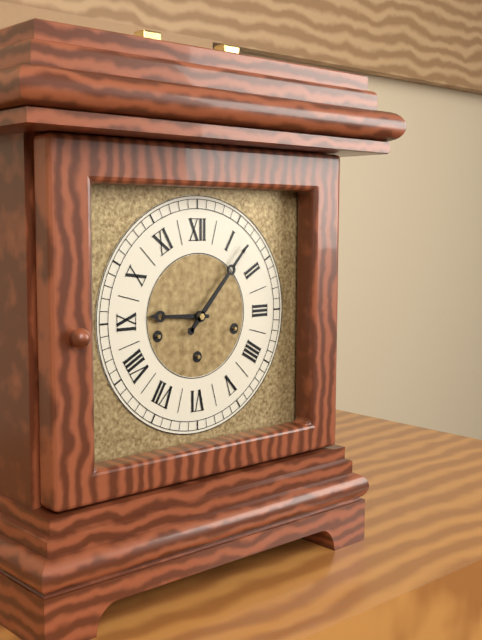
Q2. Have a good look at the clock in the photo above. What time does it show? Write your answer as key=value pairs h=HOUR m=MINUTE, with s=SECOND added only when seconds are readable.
h=9 m=7
